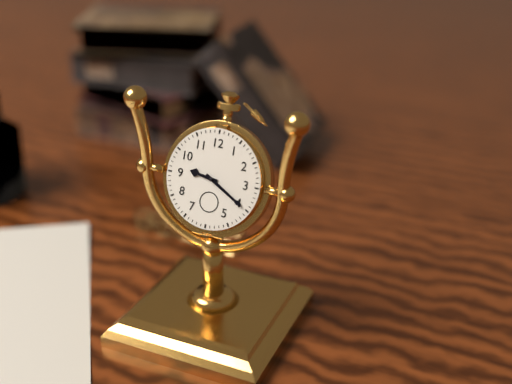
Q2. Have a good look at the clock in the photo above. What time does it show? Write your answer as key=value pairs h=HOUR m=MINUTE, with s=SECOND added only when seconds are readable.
h=9 m=20
